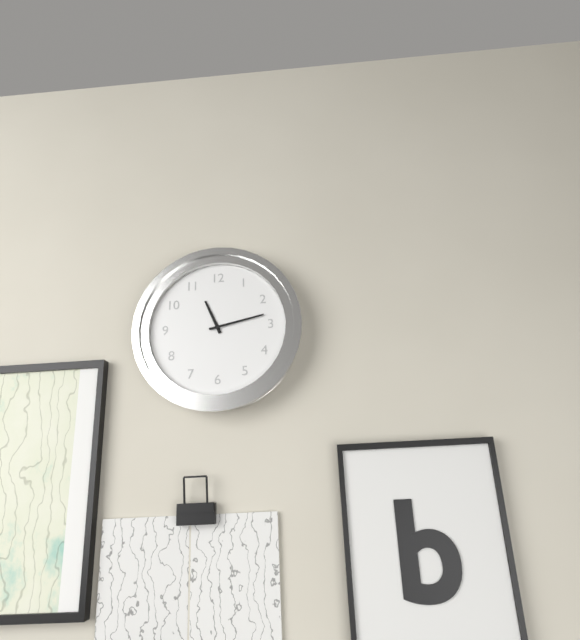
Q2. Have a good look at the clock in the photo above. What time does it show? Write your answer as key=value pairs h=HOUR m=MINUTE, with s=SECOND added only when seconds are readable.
h=11 m=13
